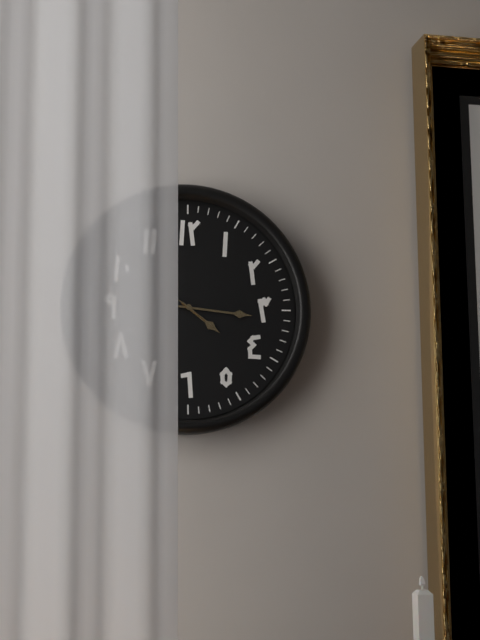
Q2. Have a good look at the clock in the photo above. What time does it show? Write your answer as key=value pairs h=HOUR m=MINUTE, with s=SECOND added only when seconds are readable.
h=4 m=16
